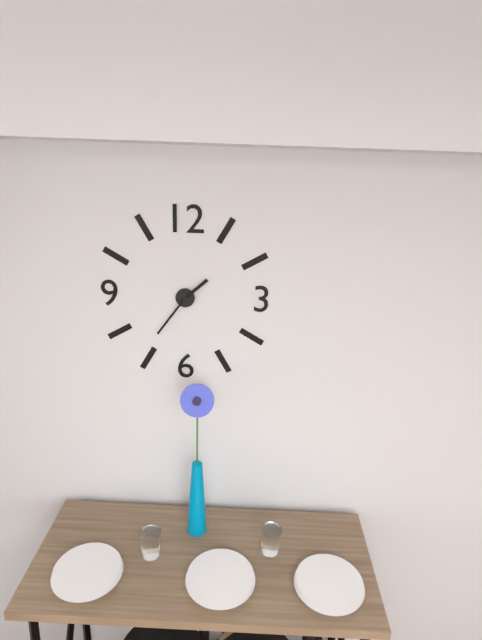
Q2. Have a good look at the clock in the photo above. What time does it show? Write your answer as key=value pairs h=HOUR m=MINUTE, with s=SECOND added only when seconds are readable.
h=1 m=36
